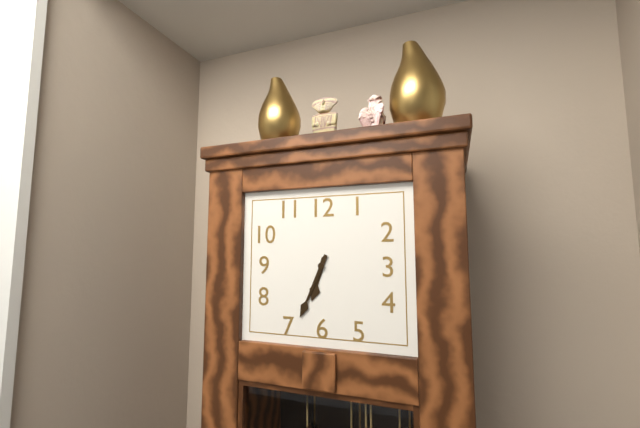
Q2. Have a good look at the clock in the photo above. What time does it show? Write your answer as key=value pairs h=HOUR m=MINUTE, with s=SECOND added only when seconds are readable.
h=6 m=34
